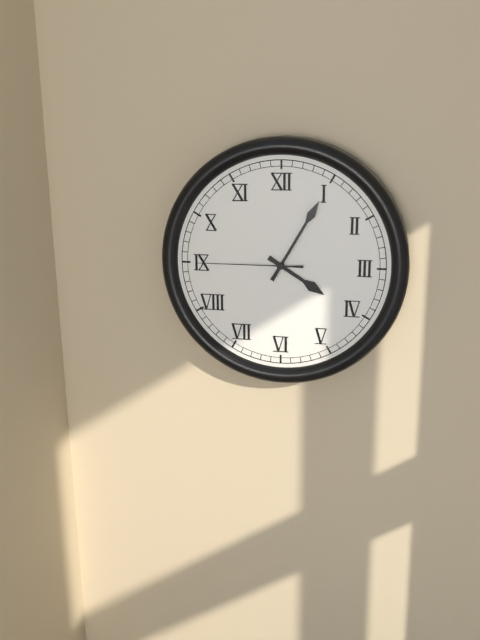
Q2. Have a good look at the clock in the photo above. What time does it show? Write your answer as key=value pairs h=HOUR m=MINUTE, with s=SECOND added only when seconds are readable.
h=4 m=5 s=45
